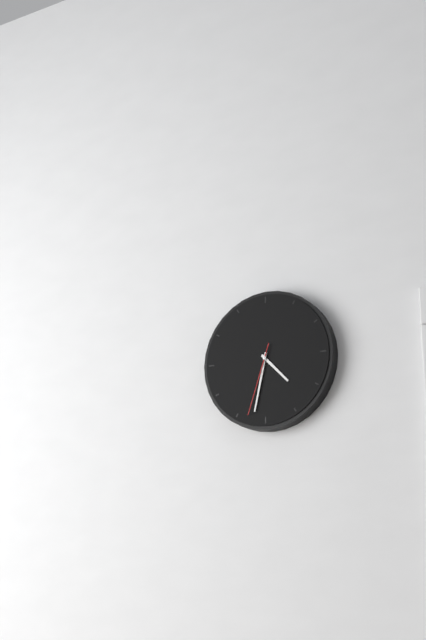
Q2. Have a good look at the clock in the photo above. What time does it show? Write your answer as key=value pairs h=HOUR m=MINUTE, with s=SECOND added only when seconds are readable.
h=4 m=32 s=33
